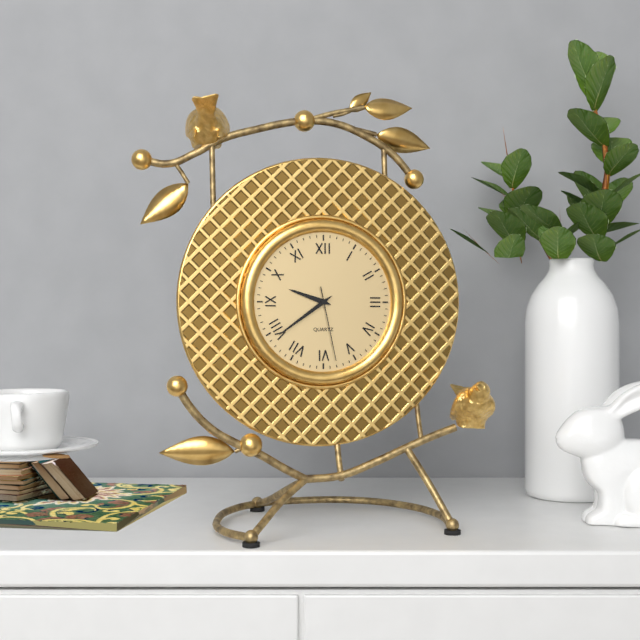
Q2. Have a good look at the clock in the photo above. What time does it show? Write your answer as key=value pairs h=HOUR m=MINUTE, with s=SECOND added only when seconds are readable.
h=9 m=39 s=28
